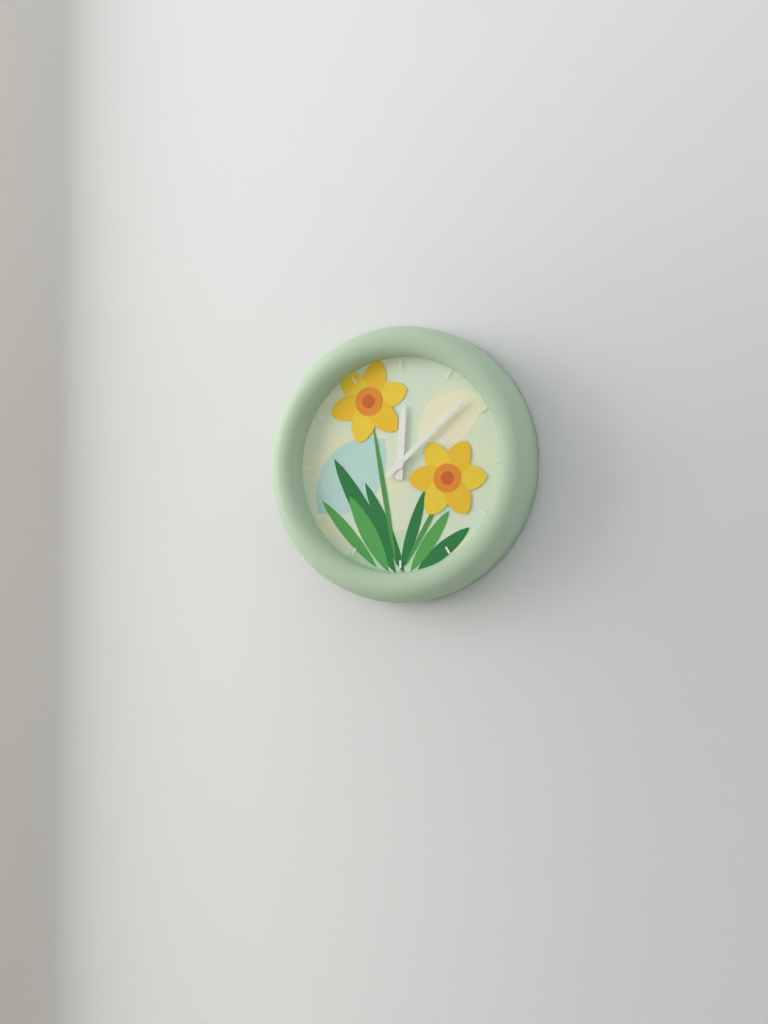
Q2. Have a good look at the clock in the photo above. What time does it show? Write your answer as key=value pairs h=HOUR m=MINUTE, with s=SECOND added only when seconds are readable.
h=12 m=8
